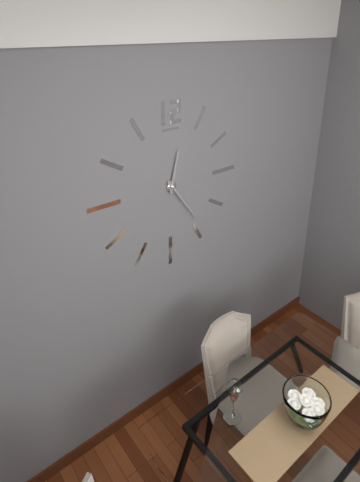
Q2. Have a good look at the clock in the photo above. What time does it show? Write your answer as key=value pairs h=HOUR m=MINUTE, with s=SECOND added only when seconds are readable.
h=12 m=24
